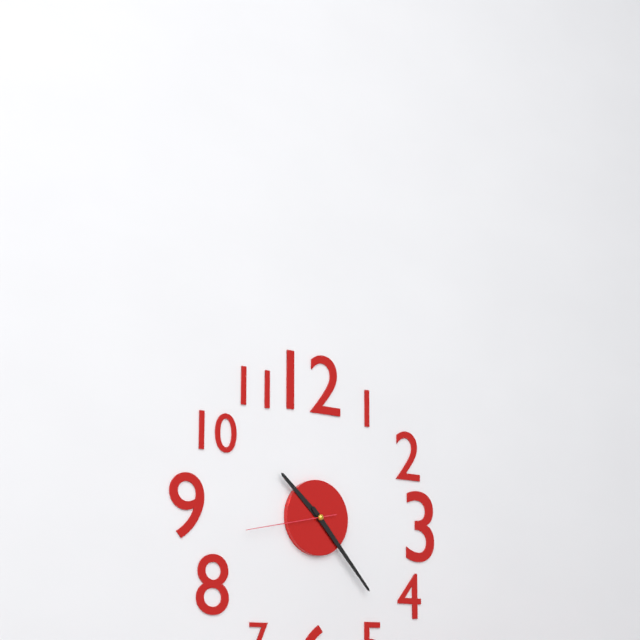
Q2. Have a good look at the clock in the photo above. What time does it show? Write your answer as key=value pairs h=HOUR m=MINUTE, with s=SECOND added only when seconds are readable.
h=10 m=23 s=43
